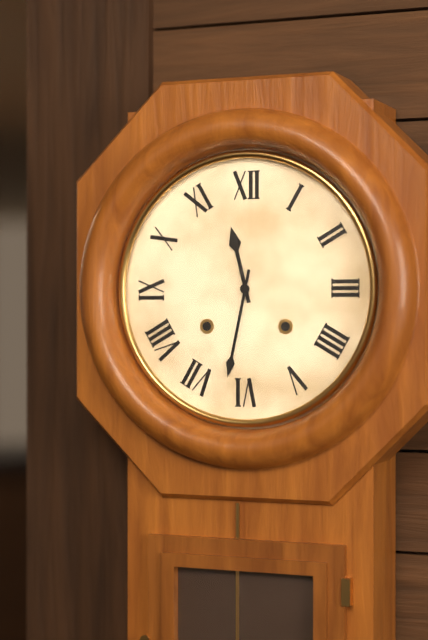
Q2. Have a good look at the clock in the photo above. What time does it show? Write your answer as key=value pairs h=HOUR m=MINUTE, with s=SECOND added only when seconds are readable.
h=11 m=32
